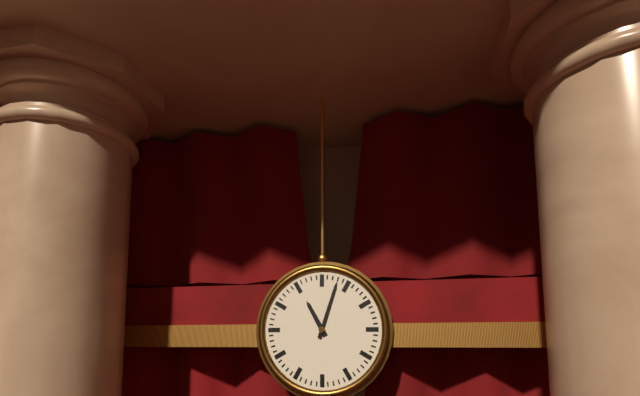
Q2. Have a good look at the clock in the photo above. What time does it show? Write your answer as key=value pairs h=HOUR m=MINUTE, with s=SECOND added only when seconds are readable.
h=11 m=3
